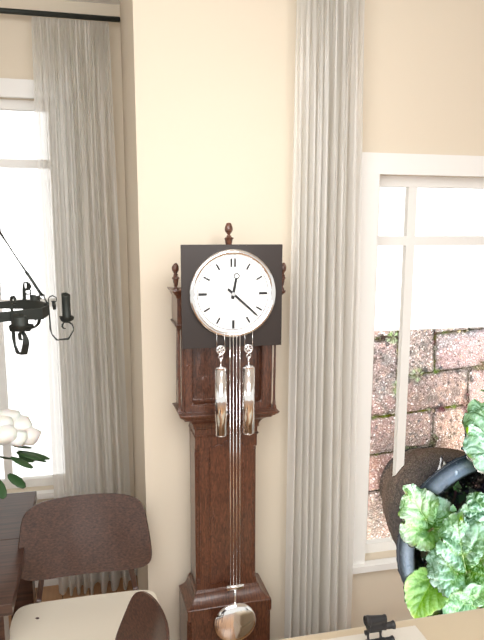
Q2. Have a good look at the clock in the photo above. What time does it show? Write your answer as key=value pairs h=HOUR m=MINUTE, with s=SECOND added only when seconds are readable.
h=12 m=22
